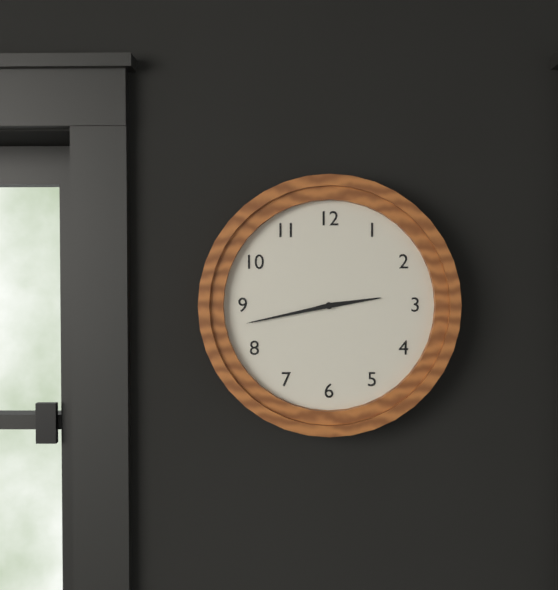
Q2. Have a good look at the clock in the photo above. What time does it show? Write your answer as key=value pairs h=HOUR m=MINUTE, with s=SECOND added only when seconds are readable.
h=2 m=43
